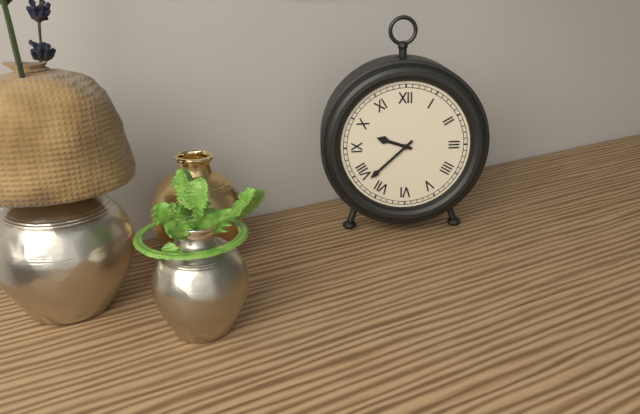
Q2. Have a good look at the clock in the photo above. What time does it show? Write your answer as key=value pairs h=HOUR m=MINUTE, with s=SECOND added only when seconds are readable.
h=9 m=38
